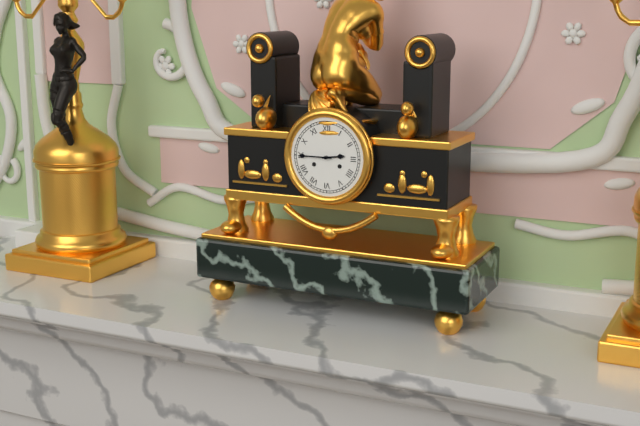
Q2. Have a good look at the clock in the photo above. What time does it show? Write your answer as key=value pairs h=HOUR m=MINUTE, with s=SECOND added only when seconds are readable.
h=2 m=45
